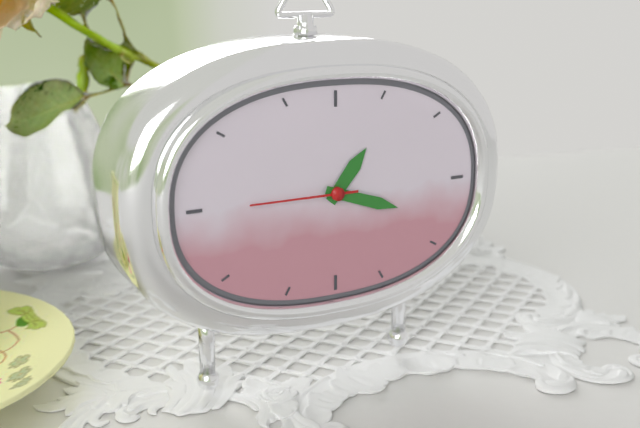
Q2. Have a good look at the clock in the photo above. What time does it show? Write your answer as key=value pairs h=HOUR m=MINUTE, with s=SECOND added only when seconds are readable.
h=1 m=18 s=45
